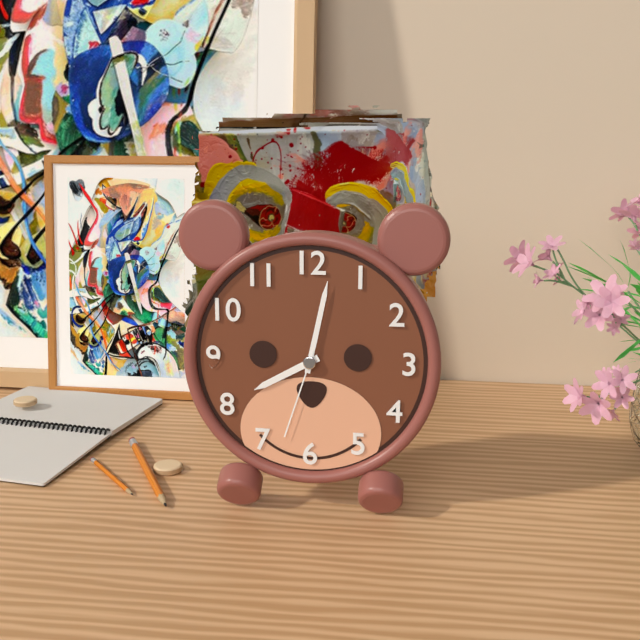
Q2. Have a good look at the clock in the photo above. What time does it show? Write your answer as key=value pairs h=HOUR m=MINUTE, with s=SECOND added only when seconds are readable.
h=8 m=2 s=33
